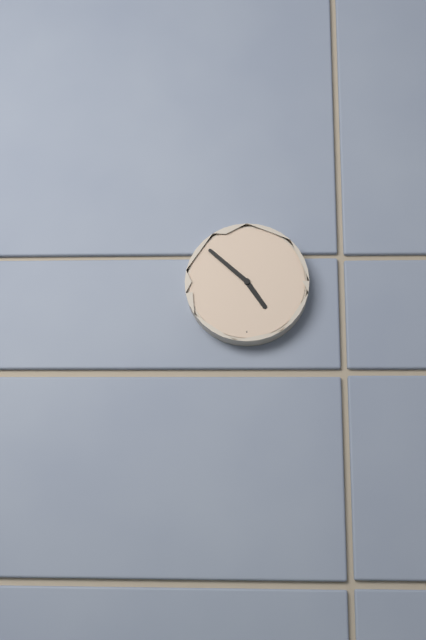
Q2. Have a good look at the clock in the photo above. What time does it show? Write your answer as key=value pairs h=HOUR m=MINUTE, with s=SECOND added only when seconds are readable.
h=4 m=52
